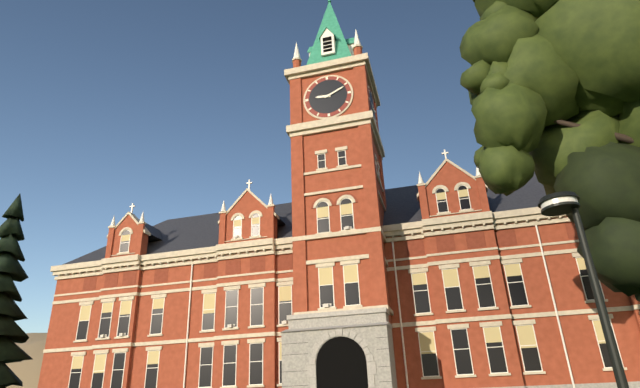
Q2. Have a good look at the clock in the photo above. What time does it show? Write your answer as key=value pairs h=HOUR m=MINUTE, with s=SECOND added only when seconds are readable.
h=9 m=11
